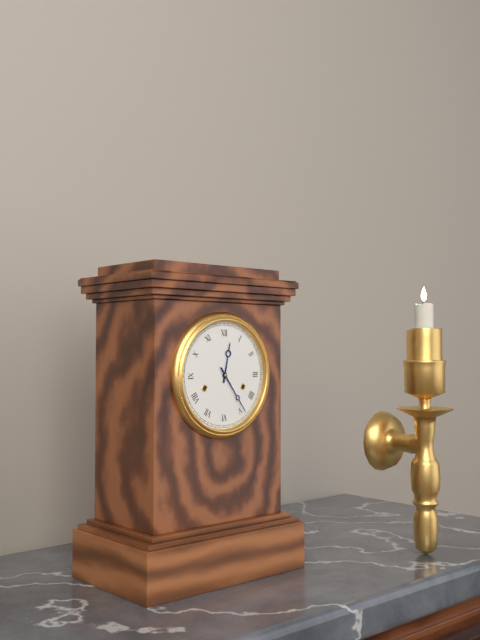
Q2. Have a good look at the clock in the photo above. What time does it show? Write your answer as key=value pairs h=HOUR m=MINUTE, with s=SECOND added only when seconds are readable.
h=12 m=24
